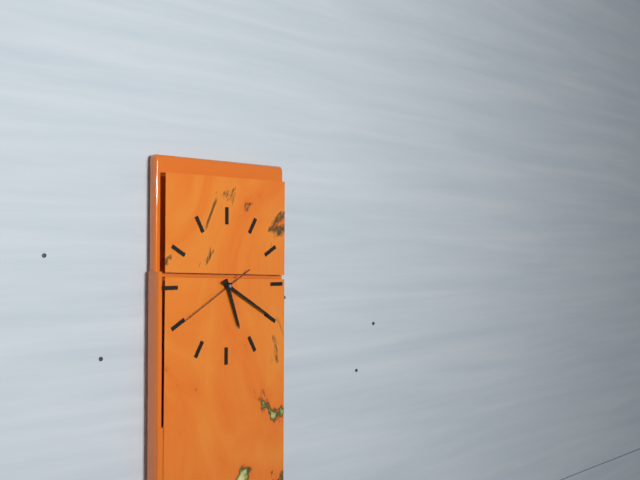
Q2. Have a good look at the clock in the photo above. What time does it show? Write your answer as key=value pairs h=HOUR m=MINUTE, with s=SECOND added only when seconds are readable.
h=5 m=20 s=40
